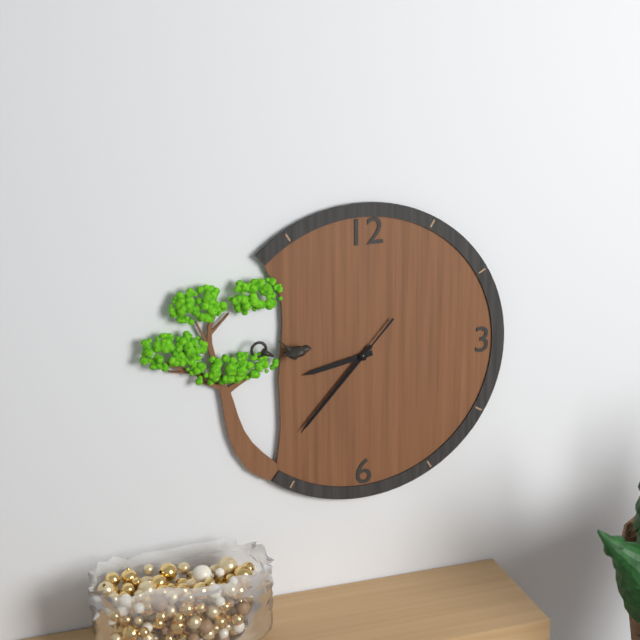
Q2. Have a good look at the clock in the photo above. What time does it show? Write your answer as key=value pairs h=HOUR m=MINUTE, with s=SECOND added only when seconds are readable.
h=8 m=37 s=37
